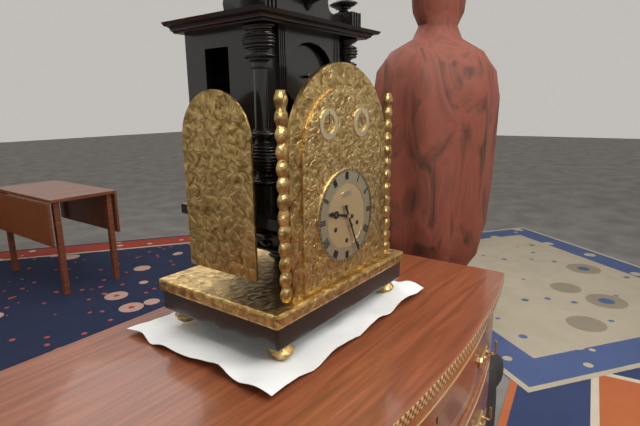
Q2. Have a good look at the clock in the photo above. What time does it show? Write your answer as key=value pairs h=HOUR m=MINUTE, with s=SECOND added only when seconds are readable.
h=9 m=26
